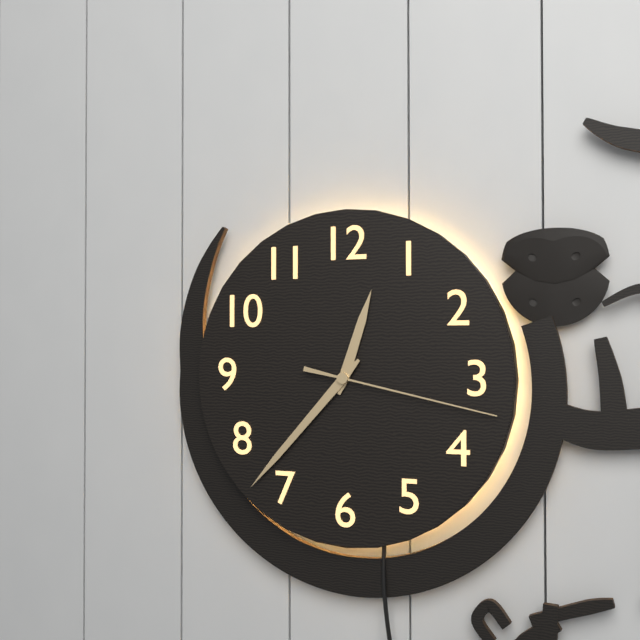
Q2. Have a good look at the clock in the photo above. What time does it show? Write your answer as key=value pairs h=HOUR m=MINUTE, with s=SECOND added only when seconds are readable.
h=12 m=37 s=17
